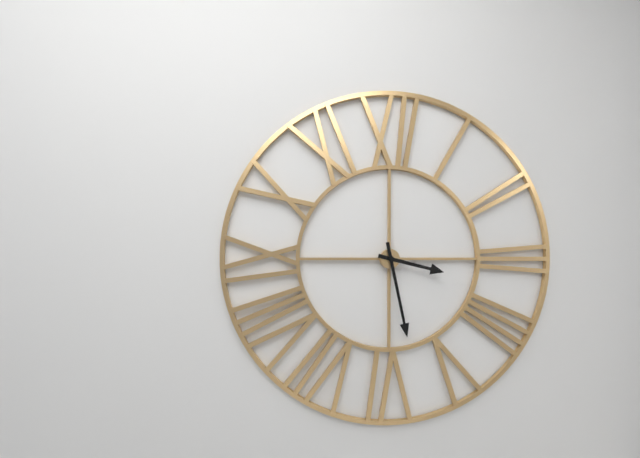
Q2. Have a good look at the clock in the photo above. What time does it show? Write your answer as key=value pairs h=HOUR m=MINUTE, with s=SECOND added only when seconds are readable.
h=3 m=28
